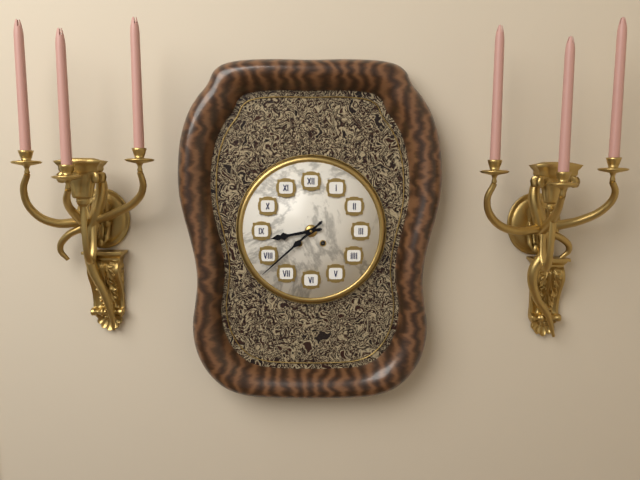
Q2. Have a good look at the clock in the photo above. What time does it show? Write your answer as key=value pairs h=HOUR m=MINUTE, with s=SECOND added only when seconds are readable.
h=8 m=38
